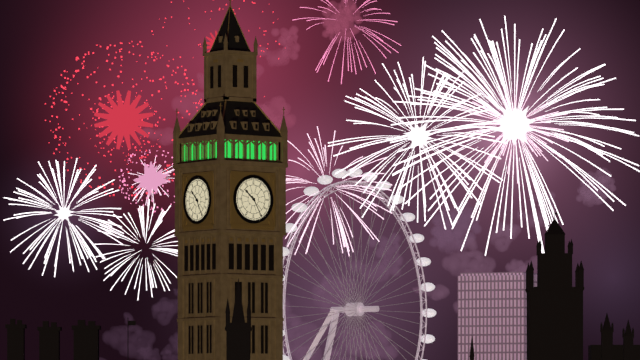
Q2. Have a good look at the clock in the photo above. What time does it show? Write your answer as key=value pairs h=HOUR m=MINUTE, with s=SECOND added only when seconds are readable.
h=10 m=25
